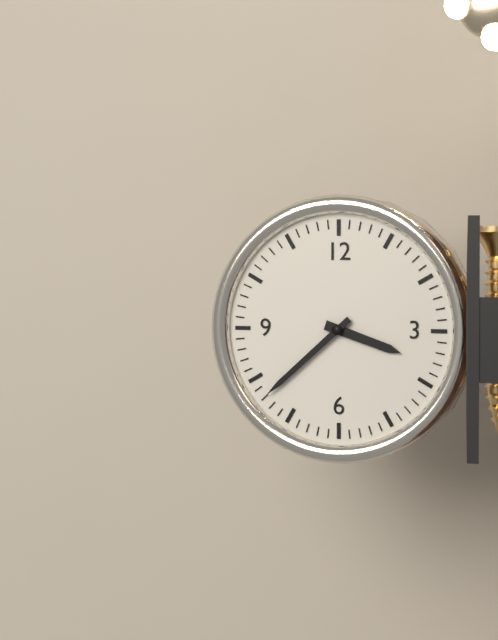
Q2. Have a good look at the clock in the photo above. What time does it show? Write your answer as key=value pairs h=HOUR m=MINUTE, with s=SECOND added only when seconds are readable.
h=3 m=38
